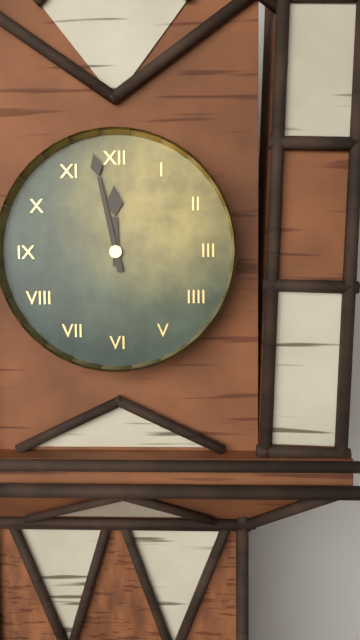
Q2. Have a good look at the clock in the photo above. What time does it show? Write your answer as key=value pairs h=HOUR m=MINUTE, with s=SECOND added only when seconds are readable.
h=11 m=58
